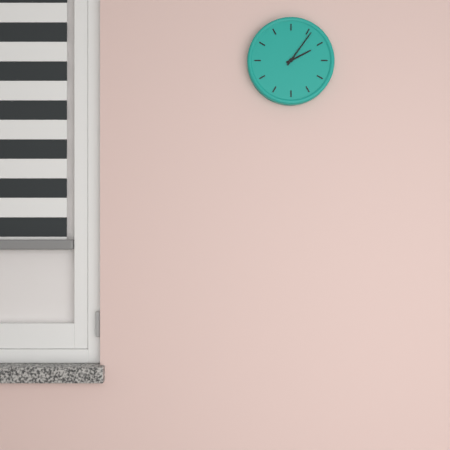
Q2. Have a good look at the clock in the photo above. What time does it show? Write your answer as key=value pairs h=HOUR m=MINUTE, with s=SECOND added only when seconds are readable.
h=2 m=6
